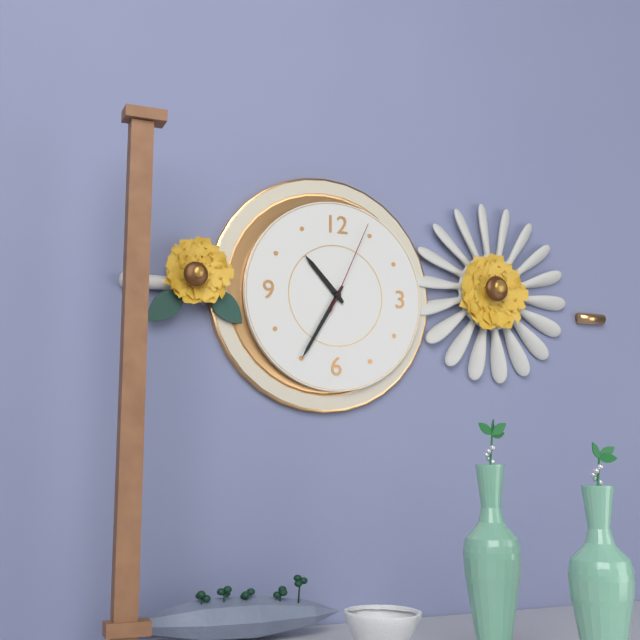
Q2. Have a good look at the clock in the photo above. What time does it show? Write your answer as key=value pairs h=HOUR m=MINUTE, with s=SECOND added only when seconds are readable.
h=10 m=35 s=4
